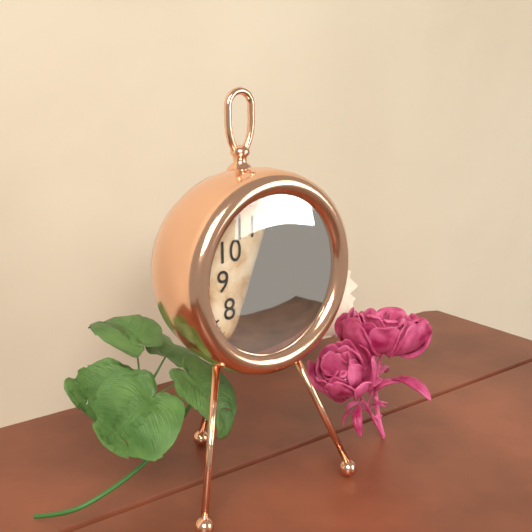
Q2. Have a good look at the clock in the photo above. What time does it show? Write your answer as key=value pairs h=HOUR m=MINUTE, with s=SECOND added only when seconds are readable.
h=12 m=16
